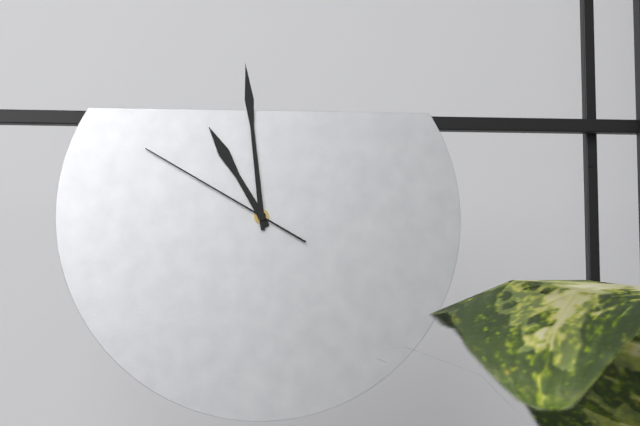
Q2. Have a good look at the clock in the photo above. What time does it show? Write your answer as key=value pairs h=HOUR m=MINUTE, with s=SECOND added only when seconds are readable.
h=10 m=59 s=50
